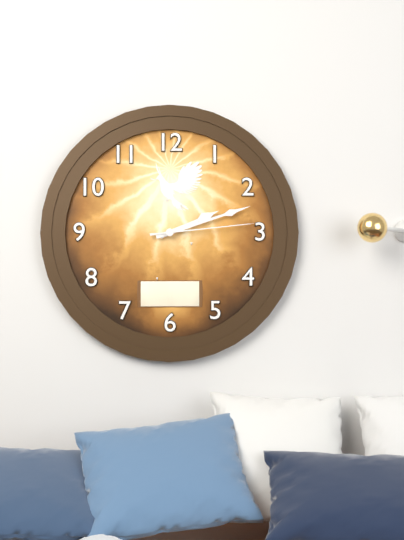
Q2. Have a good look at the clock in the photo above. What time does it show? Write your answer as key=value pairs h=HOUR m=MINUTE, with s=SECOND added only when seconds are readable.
h=2 m=12 s=14
